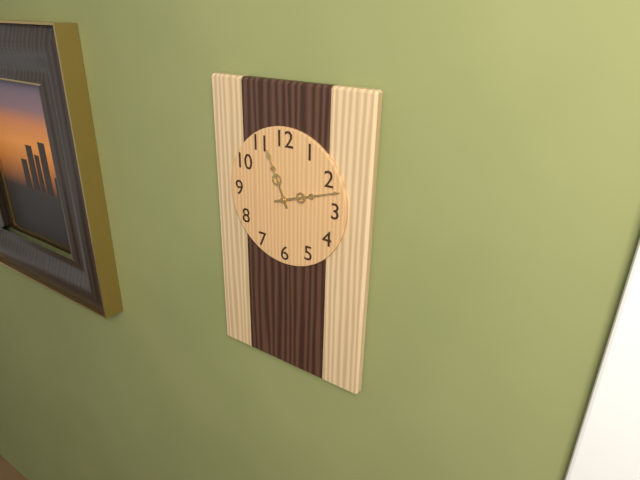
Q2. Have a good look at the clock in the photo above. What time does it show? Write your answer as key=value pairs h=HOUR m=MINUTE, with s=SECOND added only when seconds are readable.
h=11 m=12
